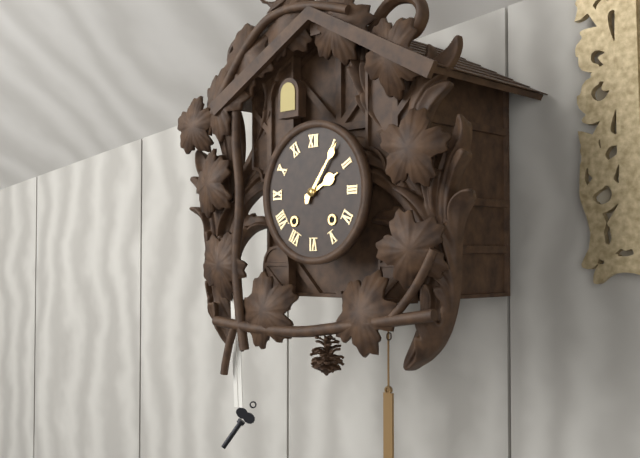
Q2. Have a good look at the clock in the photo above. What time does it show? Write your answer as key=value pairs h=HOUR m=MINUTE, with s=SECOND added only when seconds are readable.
h=2 m=6
